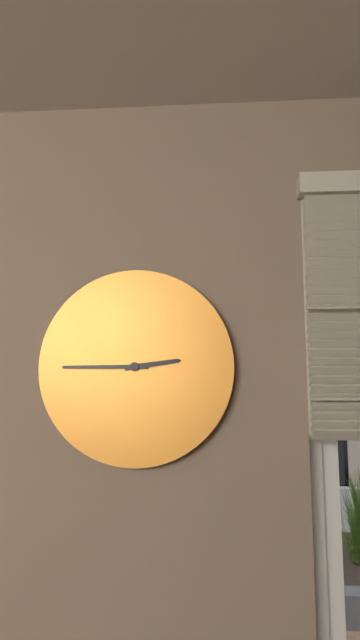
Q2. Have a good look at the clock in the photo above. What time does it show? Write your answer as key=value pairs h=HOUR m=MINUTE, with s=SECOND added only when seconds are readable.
h=2 m=45
